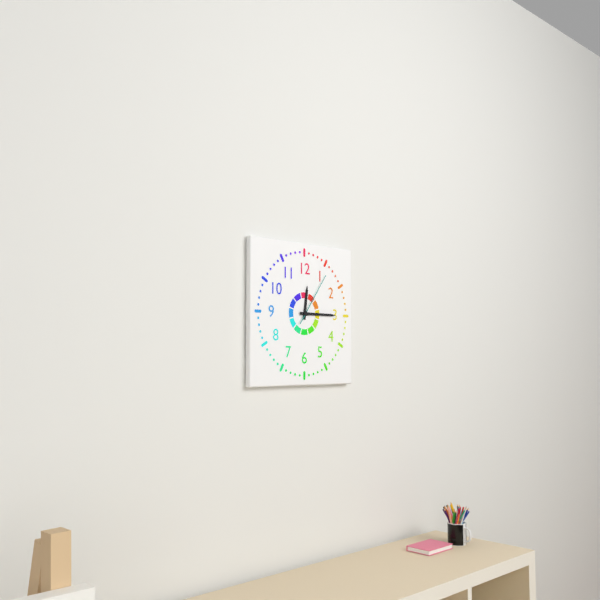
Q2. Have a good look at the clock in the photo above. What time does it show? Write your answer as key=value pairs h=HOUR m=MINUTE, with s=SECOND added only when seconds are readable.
h=12 m=15 s=6
